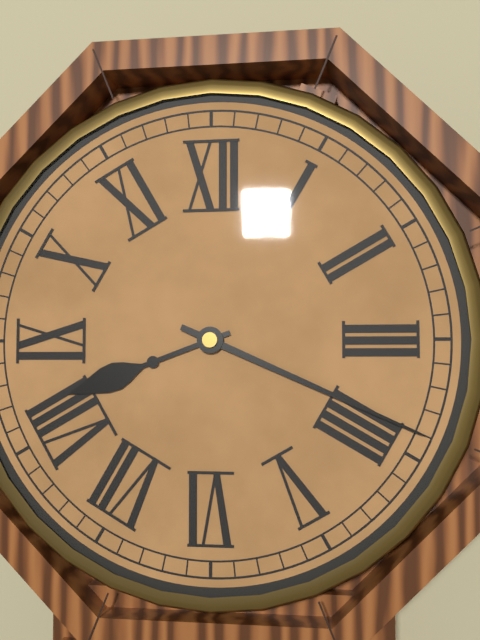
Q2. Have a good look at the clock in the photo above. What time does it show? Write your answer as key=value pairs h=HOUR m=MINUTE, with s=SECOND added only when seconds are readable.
h=8 m=19
